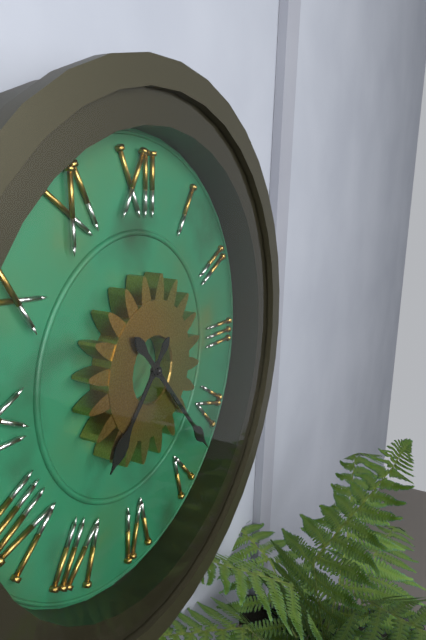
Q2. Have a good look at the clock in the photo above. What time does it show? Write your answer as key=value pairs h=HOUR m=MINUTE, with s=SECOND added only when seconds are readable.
h=7 m=23
